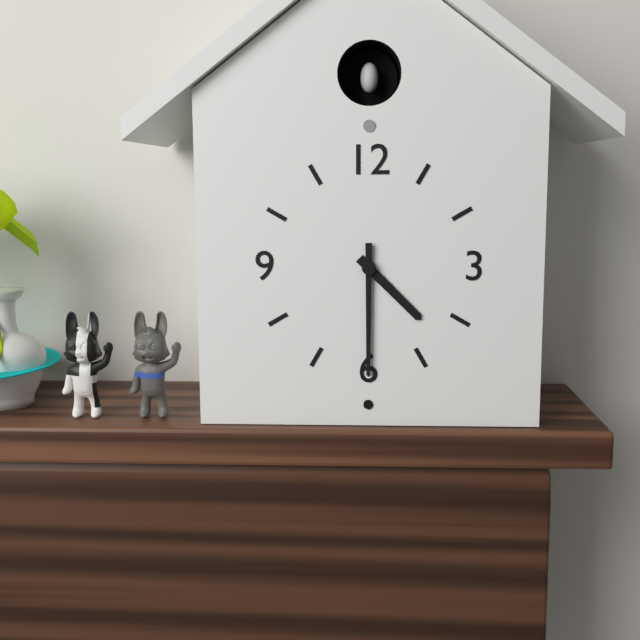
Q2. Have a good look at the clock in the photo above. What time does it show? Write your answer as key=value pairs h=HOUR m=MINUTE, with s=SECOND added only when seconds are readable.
h=4 m=30
